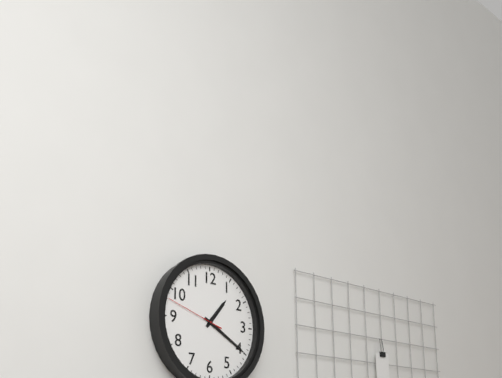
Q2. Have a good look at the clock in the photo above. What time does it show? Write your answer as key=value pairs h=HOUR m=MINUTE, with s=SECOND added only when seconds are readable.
h=1 m=20 s=48
